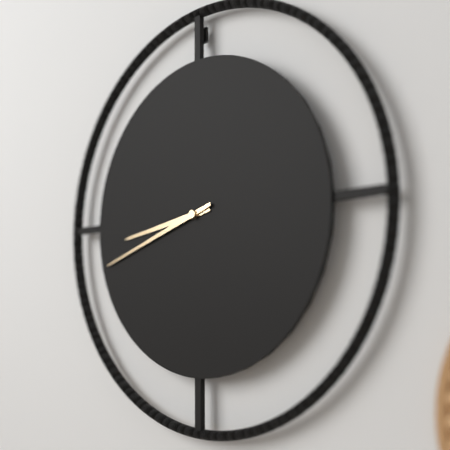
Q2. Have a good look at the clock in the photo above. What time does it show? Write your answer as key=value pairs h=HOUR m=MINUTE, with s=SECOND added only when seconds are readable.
h=8 m=42
